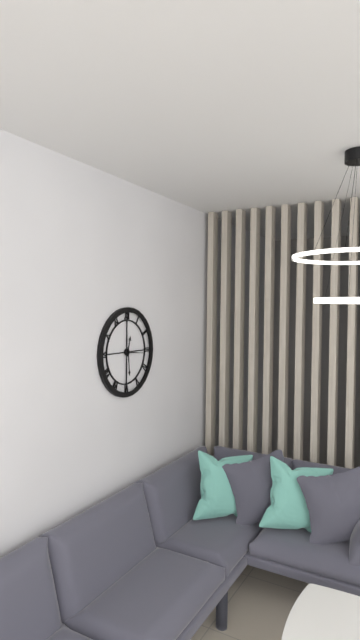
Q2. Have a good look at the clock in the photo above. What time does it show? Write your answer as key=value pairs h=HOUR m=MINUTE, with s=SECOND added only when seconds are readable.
h=12 m=29
